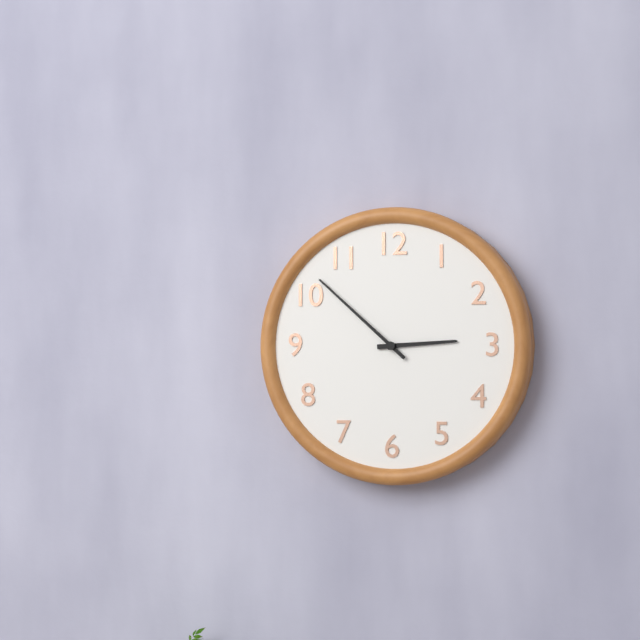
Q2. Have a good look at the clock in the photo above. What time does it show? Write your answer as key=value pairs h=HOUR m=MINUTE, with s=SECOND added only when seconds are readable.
h=2 m=52
